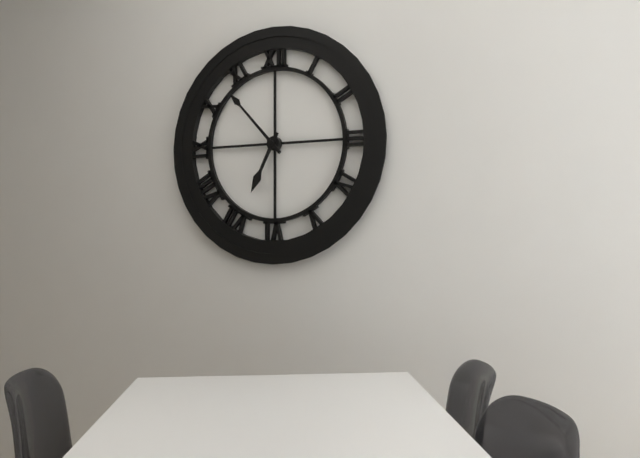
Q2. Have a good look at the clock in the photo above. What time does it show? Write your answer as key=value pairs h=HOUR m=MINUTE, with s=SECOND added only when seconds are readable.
h=6 m=53
